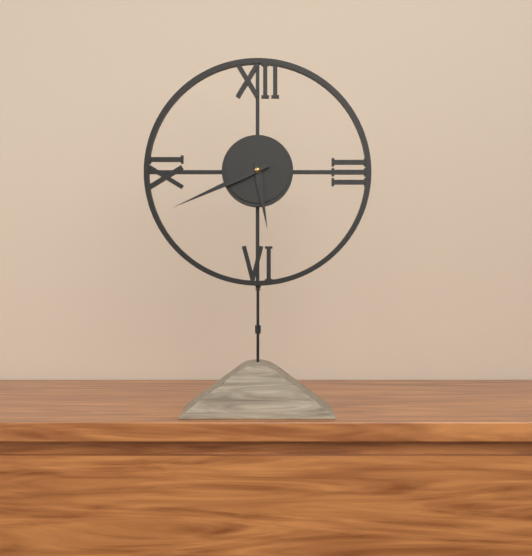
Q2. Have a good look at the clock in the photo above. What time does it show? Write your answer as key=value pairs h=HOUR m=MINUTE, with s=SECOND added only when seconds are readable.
h=5 m=41
